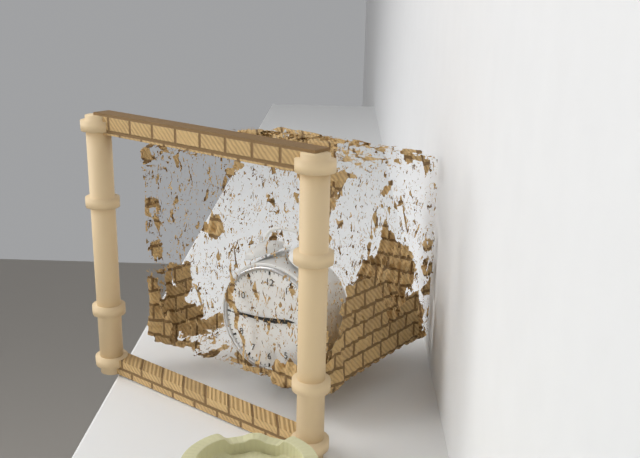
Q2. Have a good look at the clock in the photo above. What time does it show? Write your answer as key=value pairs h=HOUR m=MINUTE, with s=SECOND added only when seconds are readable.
h=2 m=45
